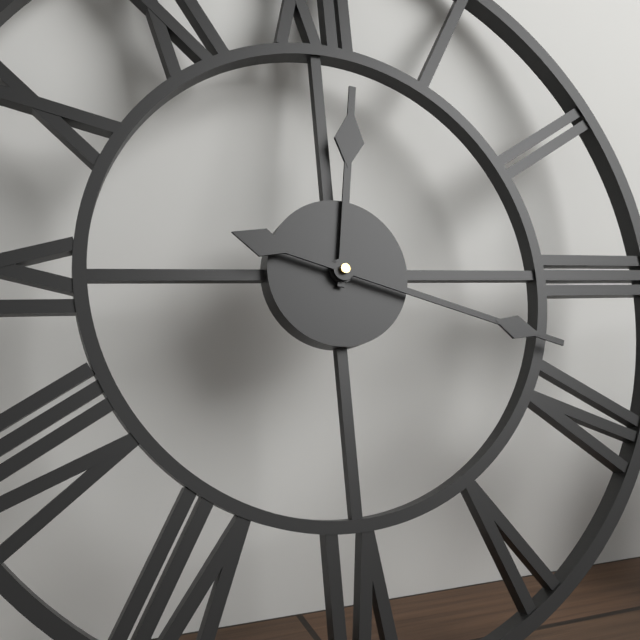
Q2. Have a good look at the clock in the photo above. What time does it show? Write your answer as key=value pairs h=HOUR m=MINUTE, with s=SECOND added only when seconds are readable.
h=12 m=18
